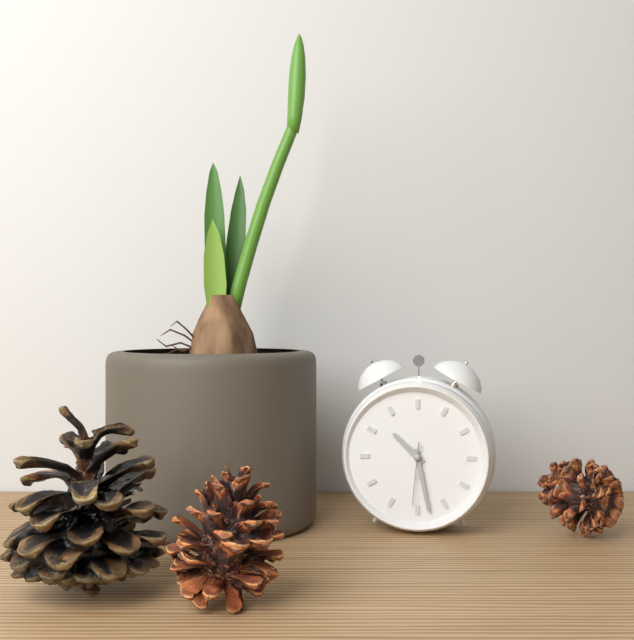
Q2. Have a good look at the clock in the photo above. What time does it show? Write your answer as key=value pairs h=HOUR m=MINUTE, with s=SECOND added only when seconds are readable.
h=10 m=28 s=31
